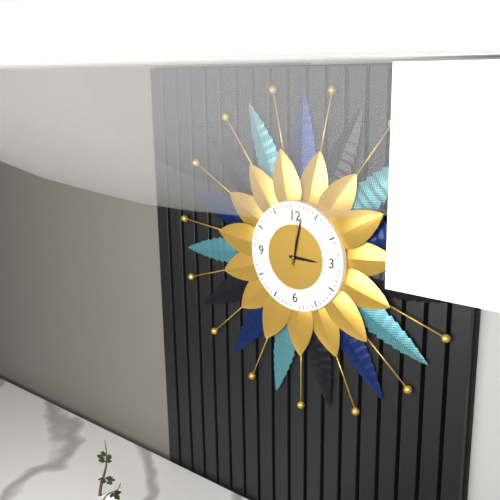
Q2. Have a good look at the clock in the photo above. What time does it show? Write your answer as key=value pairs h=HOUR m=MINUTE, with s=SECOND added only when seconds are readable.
h=3 m=2 s=1
